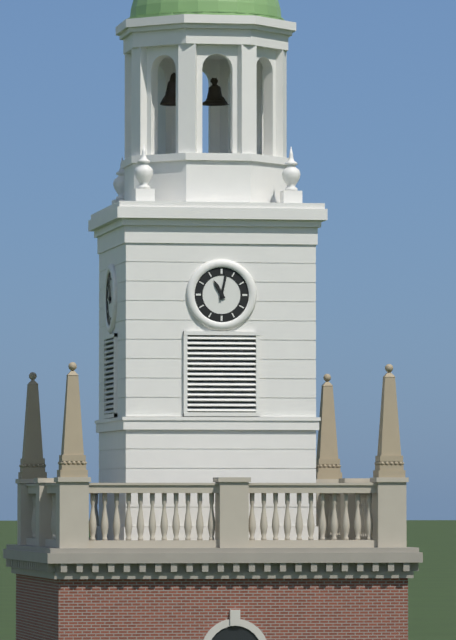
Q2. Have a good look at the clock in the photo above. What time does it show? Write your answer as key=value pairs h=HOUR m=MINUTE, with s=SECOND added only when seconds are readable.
h=11 m=2
